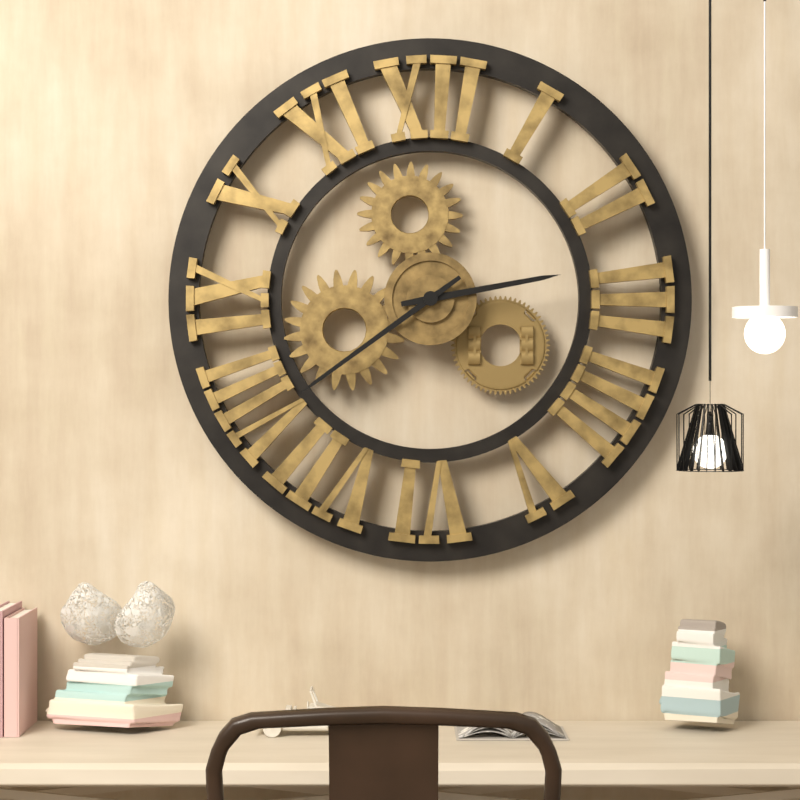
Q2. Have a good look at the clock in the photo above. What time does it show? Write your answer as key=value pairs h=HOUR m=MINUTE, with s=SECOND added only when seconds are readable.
h=2 m=39
